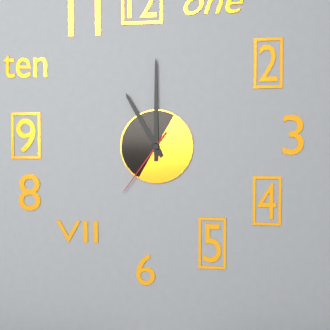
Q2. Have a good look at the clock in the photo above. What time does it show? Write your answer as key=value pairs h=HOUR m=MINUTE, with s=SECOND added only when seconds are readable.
h=11 m=0 s=36
